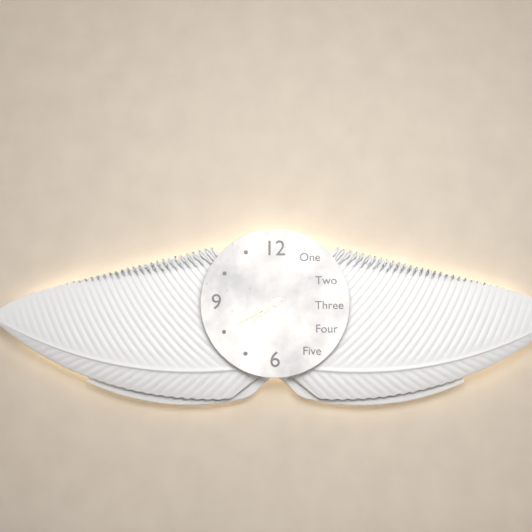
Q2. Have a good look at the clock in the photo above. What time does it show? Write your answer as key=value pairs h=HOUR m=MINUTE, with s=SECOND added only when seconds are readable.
h=7 m=40
